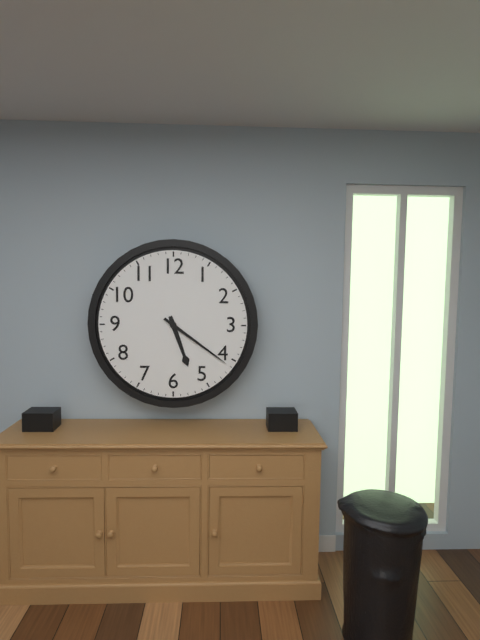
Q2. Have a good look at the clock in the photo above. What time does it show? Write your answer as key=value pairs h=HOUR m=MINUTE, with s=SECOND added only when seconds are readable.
h=5 m=21
